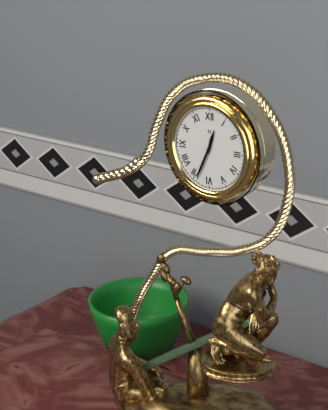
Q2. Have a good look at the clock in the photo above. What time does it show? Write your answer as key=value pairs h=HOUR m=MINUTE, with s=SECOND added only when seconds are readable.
h=12 m=34
